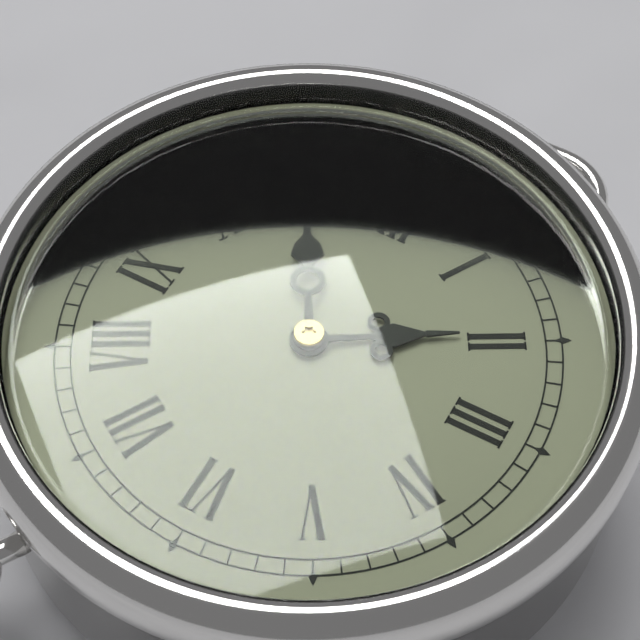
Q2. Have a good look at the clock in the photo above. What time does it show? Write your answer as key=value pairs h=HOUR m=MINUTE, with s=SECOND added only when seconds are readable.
h=1 m=55
